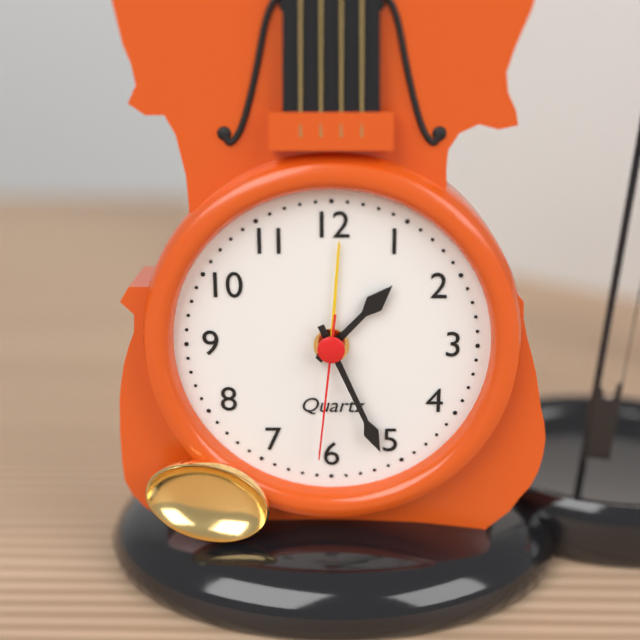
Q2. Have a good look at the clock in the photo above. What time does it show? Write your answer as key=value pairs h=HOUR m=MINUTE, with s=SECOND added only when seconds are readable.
h=1 m=26 s=31
